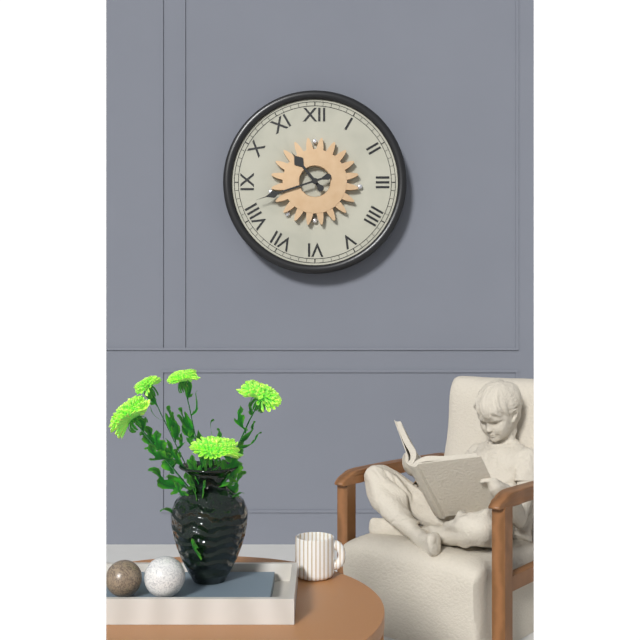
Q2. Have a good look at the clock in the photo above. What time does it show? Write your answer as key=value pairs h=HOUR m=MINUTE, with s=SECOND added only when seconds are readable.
h=10 m=42
